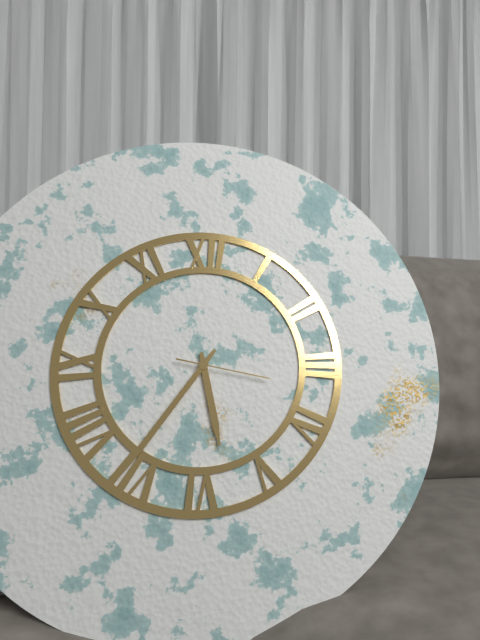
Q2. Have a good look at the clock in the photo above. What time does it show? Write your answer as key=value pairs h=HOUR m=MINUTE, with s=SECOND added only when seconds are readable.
h=5 m=36 s=17
